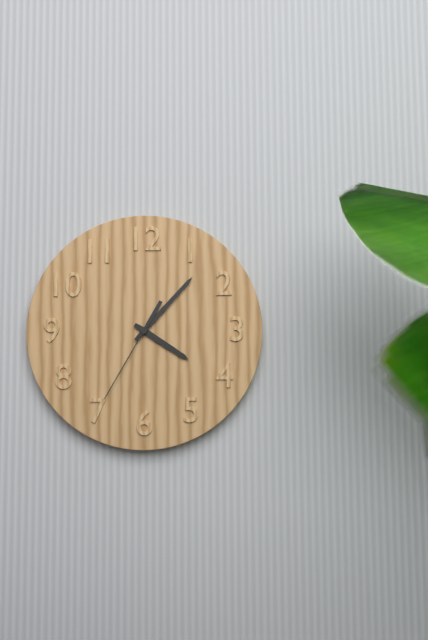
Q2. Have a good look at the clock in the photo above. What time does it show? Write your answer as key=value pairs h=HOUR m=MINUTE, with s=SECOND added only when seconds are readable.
h=4 m=7 s=35
